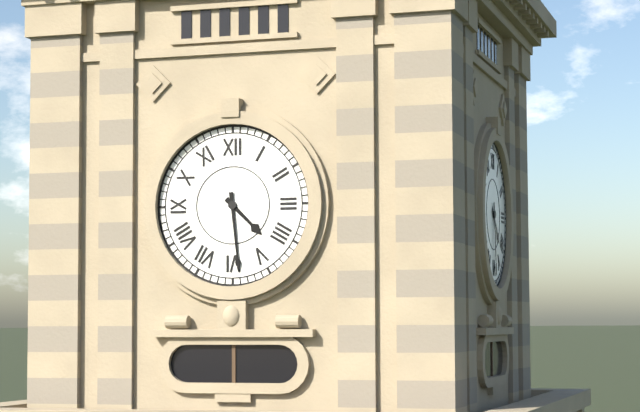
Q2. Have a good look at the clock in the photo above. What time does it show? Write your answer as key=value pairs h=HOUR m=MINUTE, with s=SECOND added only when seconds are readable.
h=4 m=29
